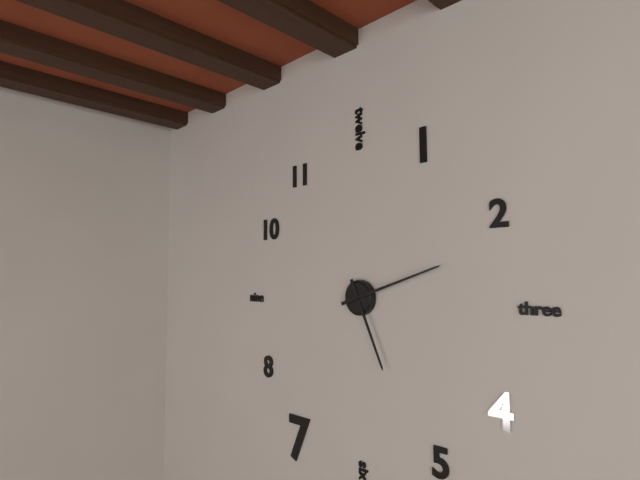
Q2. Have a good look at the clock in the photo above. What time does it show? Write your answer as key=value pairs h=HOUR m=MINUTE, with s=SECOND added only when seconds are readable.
h=5 m=12
